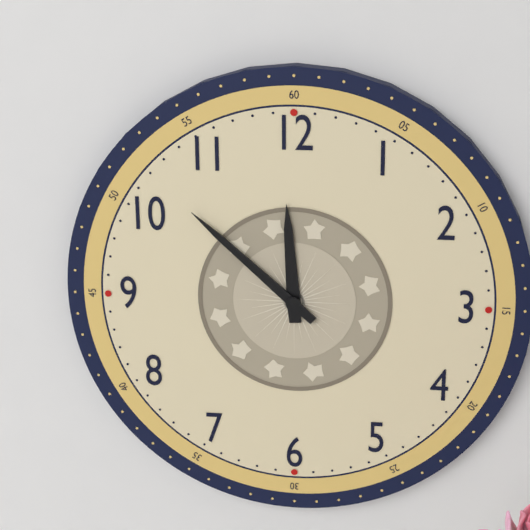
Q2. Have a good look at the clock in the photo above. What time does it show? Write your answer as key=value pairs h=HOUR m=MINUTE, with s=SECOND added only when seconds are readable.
h=11 m=52
